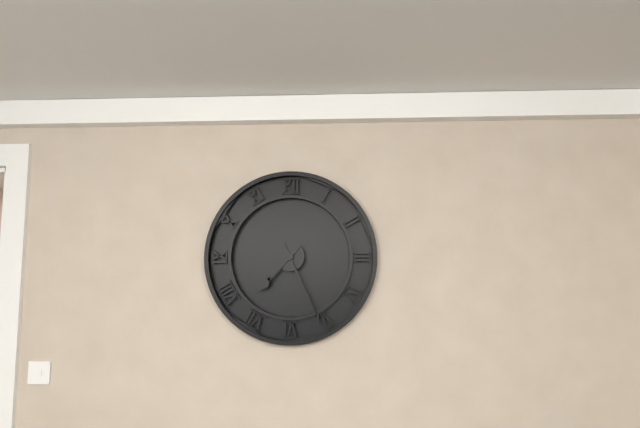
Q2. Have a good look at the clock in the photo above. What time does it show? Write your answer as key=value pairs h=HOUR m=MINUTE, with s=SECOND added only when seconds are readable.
h=7 m=26
